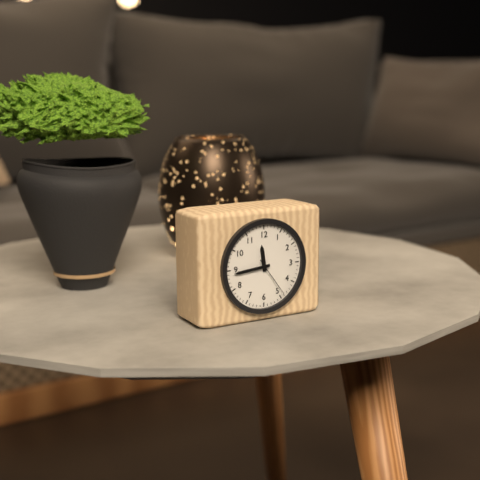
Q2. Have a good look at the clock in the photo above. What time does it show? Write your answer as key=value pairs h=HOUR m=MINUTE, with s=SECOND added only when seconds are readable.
h=11 m=44
